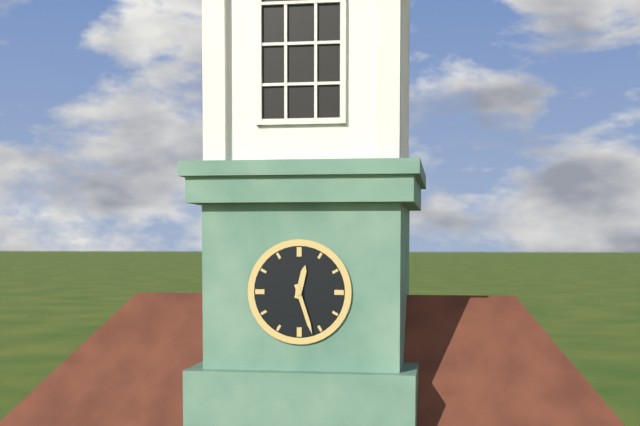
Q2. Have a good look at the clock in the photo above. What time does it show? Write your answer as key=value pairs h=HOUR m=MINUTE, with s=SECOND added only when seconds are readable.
h=12 m=27
